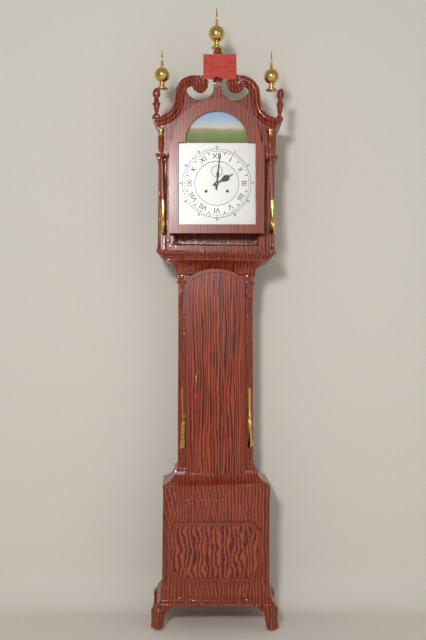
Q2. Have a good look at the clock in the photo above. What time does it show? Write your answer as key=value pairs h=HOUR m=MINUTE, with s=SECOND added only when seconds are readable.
h=2 m=1
